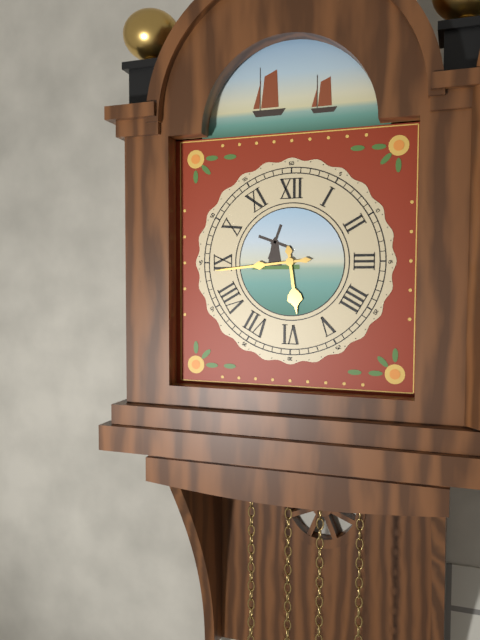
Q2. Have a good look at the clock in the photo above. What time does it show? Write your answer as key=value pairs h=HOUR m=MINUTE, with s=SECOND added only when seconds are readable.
h=5 m=44
